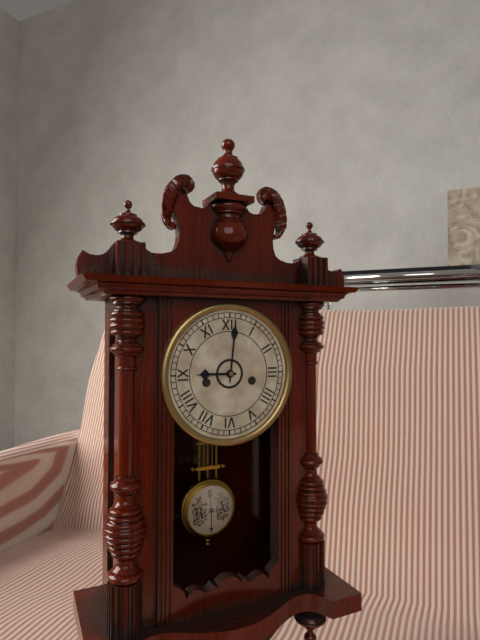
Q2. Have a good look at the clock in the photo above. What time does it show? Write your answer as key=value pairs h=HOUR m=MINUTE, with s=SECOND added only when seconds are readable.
h=9 m=1
